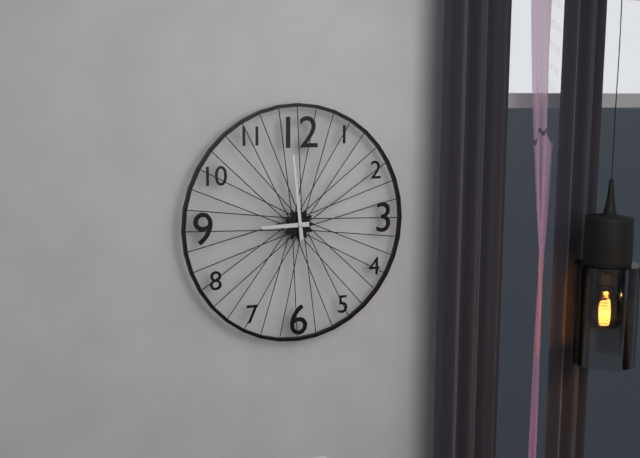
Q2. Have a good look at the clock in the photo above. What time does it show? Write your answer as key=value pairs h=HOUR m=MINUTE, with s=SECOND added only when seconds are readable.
h=8 m=59
